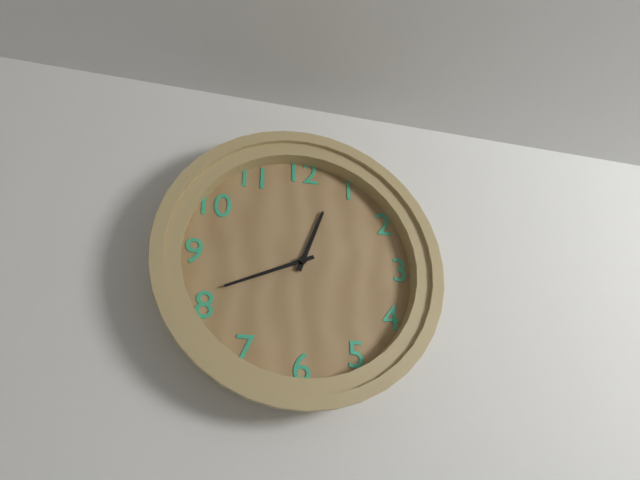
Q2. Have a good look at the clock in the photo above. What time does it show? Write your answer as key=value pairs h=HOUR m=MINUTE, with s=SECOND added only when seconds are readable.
h=12 m=41
